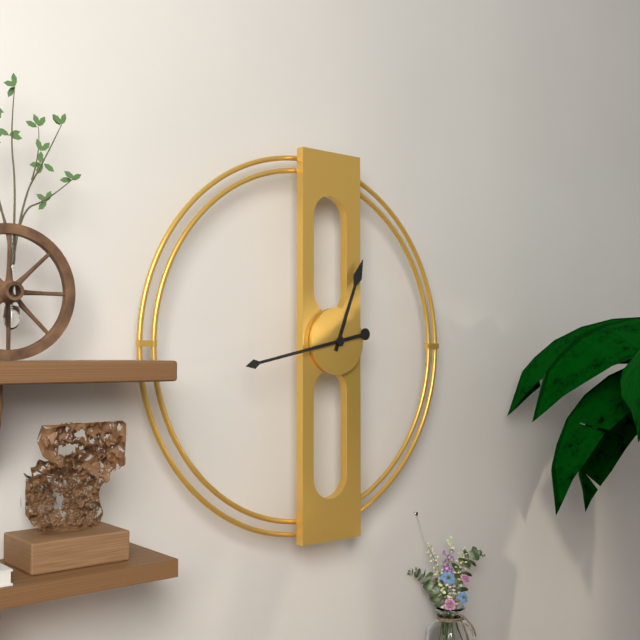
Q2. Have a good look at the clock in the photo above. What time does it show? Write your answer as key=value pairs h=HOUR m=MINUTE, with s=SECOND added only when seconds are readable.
h=12 m=43
